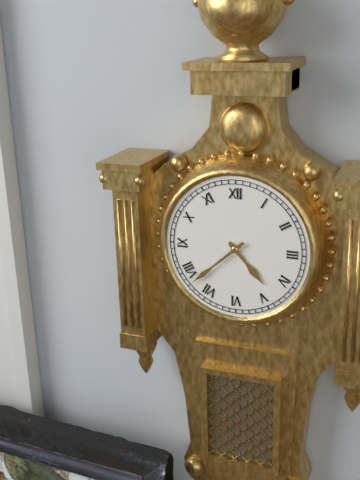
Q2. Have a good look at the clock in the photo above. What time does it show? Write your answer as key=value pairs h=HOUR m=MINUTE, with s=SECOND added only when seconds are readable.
h=4 m=38
